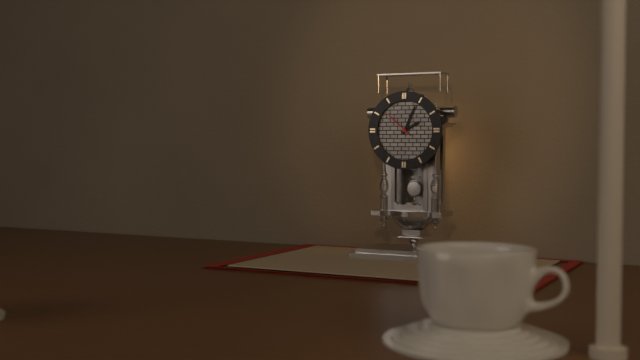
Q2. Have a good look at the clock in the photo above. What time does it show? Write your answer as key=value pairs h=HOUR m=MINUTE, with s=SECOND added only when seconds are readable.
h=2 m=4
